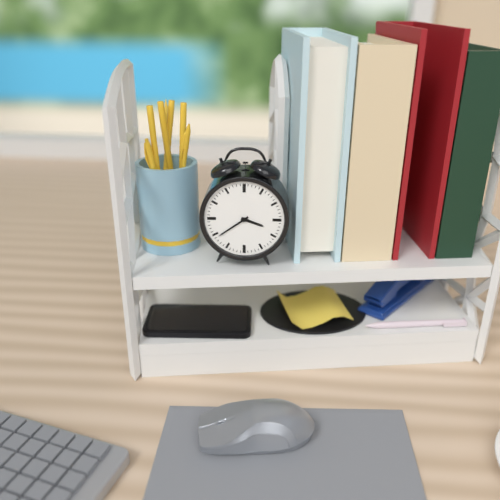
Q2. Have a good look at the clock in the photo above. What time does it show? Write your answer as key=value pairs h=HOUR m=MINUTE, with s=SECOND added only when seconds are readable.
h=3 m=39
